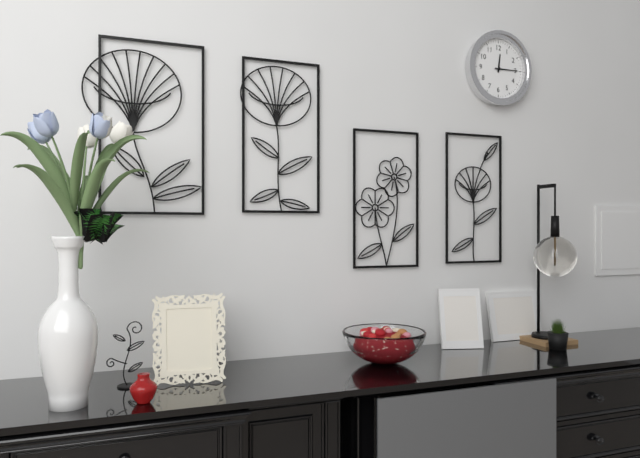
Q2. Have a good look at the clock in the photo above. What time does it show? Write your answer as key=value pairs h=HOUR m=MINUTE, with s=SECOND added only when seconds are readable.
h=12 m=15
